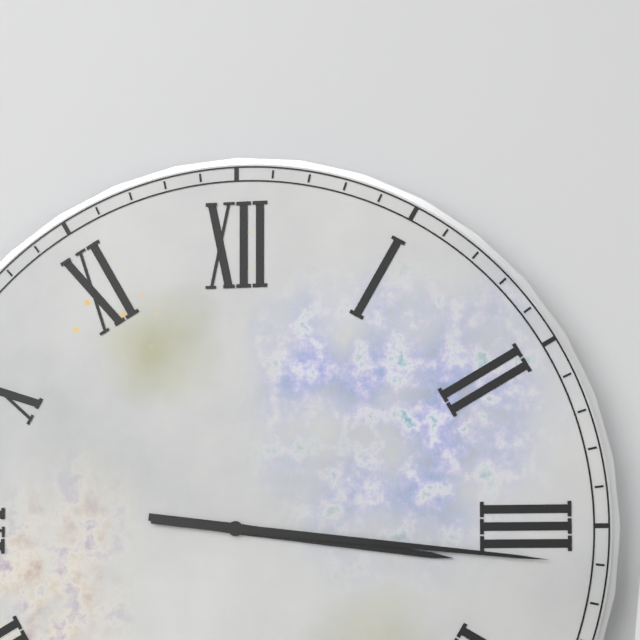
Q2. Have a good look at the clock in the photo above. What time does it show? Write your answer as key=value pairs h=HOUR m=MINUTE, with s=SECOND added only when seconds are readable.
h=3 m=16
